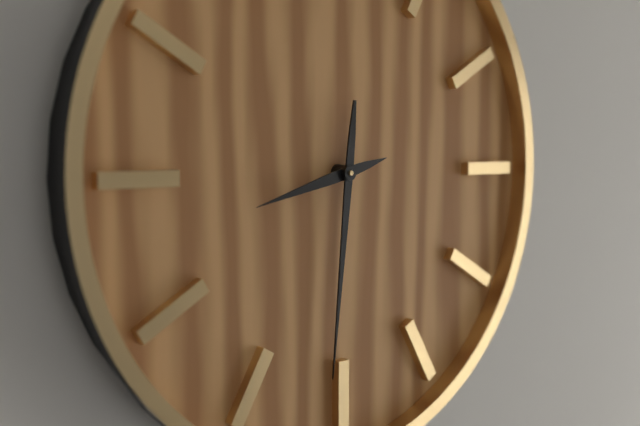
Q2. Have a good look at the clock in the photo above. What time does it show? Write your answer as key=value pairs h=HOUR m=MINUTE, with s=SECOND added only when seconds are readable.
h=8 m=31
